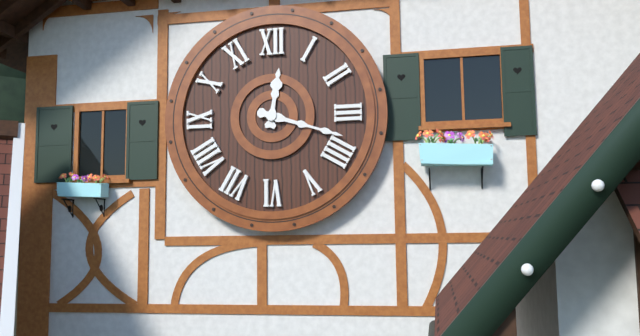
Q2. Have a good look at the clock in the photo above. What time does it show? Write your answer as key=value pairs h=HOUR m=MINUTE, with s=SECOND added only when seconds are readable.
h=12 m=18
